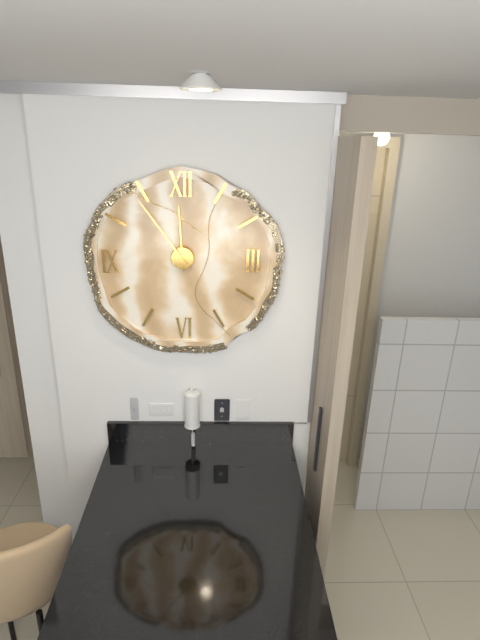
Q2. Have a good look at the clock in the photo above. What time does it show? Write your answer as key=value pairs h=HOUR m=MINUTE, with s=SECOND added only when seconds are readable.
h=11 m=54
